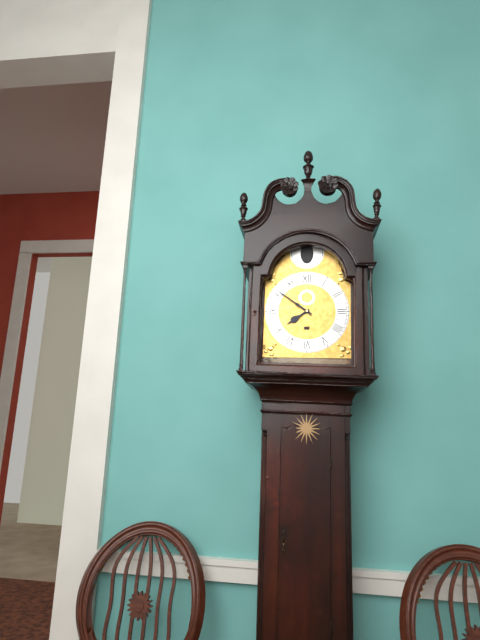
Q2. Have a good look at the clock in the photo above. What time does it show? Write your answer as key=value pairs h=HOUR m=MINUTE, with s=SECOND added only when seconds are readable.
h=7 m=51
